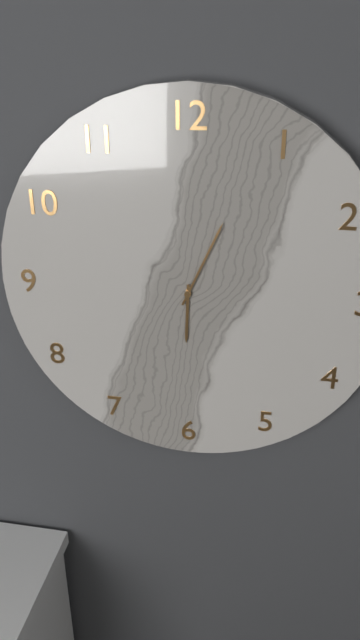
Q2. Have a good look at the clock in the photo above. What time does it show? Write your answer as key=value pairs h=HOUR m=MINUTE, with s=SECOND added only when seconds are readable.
h=6 m=4
